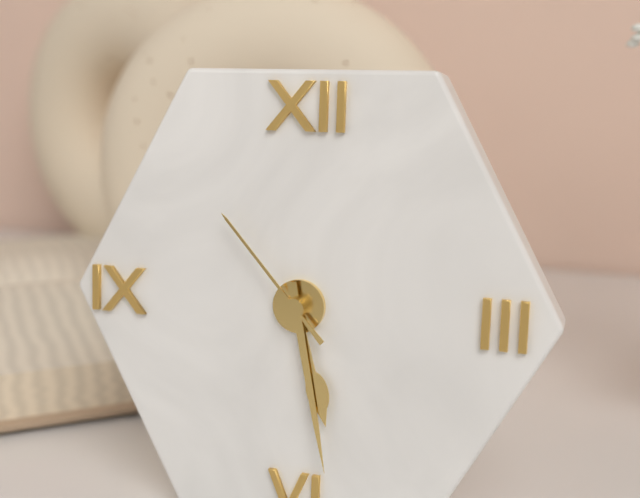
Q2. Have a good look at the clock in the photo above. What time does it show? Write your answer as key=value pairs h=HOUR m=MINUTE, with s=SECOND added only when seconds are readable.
h=5 m=28 s=53
